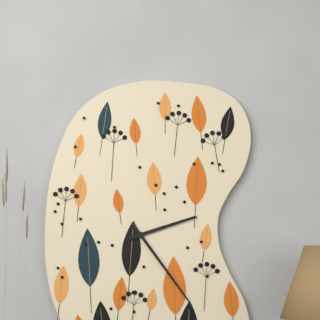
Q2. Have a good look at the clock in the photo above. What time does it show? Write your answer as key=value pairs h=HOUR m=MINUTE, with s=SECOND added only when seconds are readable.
h=2 m=24
